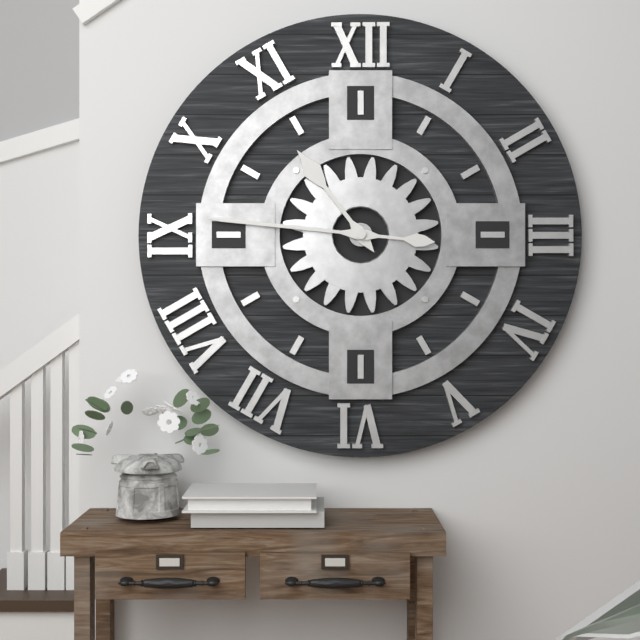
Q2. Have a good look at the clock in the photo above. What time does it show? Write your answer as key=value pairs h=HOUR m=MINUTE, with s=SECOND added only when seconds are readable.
h=10 m=46
